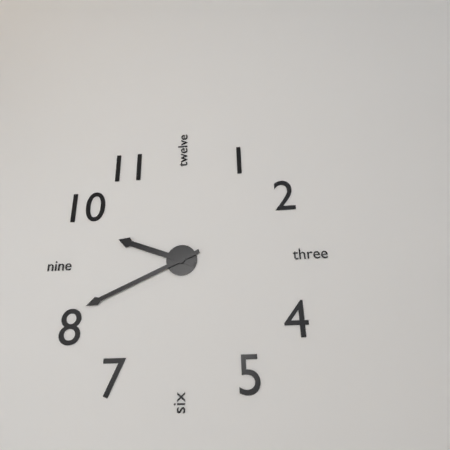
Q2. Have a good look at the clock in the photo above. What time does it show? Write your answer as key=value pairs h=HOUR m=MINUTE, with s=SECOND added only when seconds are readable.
h=9 m=41
